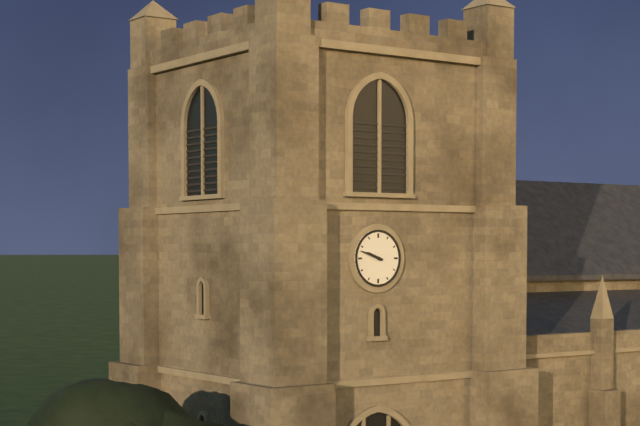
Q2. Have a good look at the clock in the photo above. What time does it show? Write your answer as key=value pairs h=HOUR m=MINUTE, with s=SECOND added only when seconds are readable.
h=9 m=48
